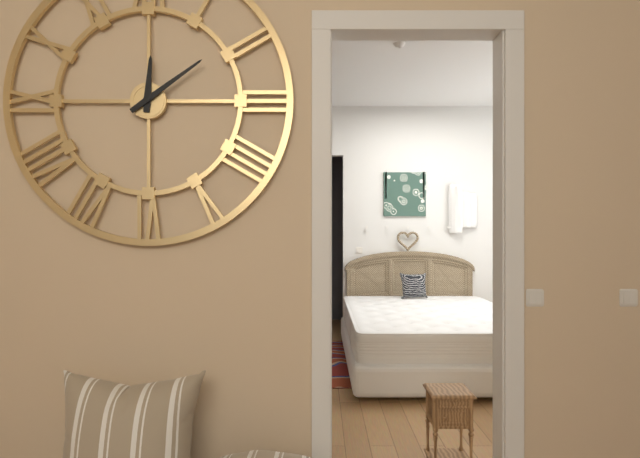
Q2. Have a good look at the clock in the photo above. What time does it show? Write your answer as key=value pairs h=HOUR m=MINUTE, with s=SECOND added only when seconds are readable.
h=12 m=9
